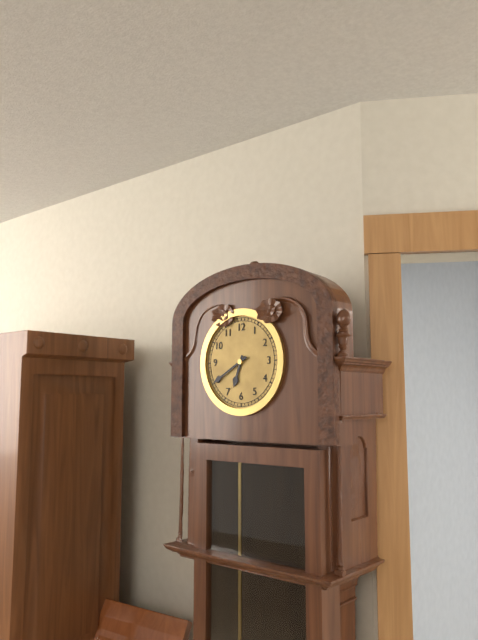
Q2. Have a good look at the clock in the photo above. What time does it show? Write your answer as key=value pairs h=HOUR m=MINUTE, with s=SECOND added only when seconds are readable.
h=6 m=40
